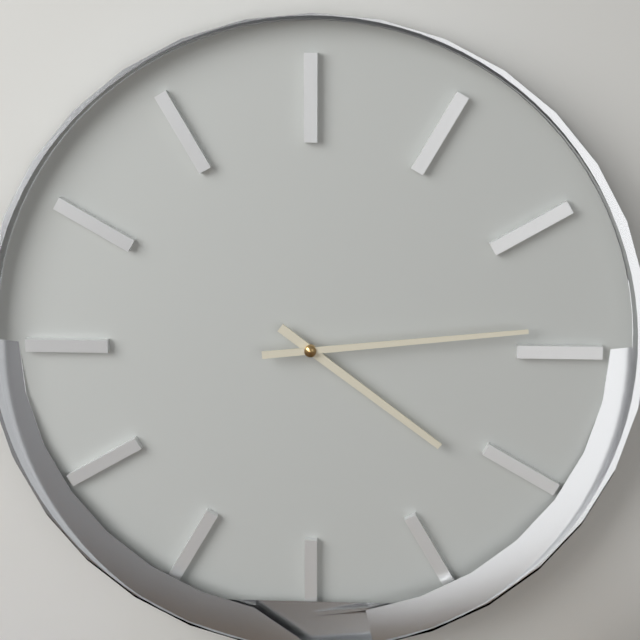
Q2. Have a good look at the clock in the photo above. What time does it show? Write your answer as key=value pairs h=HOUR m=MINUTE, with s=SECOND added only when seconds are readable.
h=4 m=14
